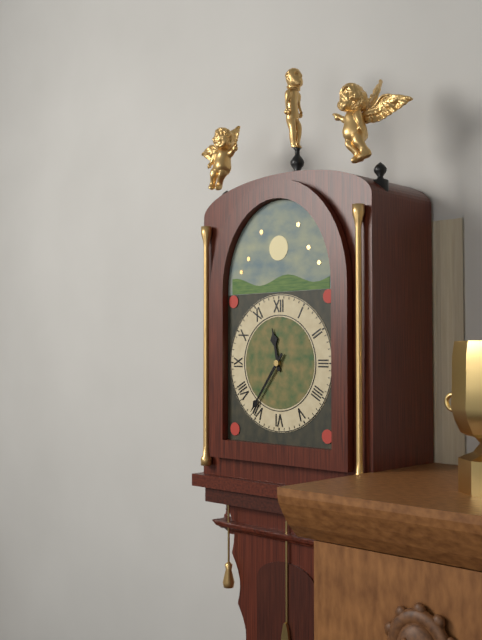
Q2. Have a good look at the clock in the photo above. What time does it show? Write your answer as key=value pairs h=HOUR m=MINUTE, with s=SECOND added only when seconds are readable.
h=11 m=36
